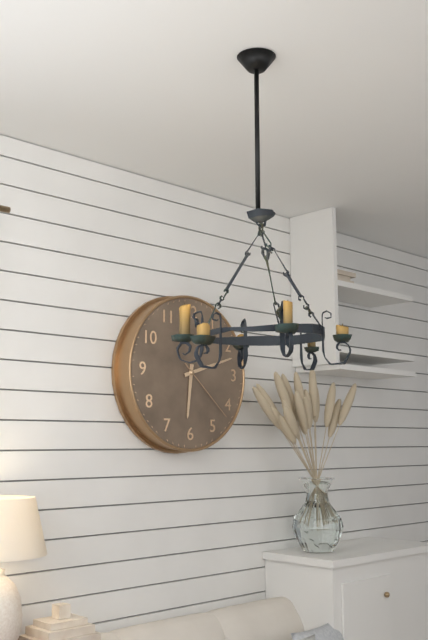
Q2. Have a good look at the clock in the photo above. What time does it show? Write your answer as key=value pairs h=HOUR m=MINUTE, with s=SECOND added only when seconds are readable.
h=6 m=12 s=22
